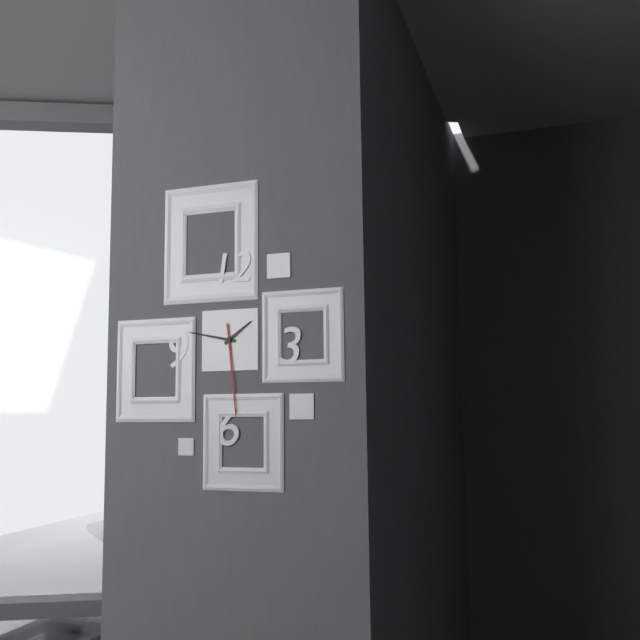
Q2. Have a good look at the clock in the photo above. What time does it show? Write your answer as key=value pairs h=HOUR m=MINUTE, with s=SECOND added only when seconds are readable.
h=1 m=47 s=29
